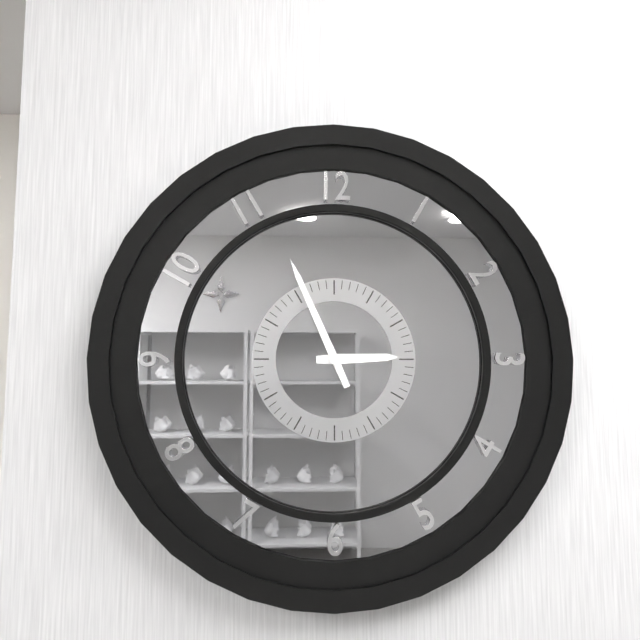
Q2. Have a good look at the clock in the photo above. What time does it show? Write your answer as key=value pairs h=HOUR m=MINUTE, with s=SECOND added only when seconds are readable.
h=2 m=56
